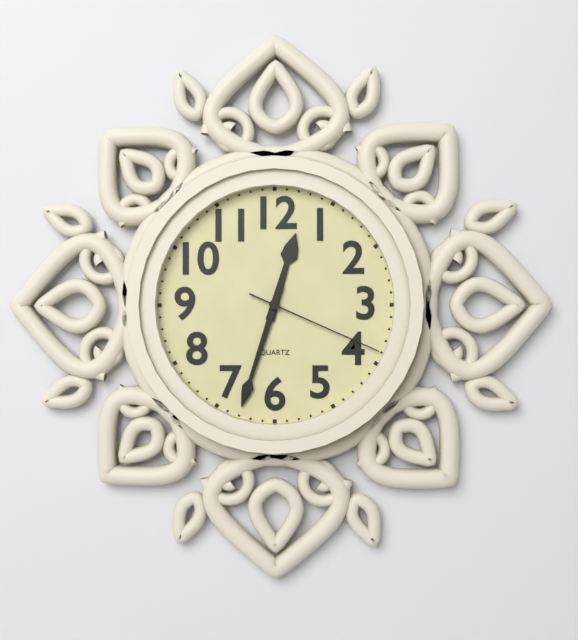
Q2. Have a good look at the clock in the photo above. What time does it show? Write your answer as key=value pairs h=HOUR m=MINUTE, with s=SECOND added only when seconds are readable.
h=12 m=33 s=19
